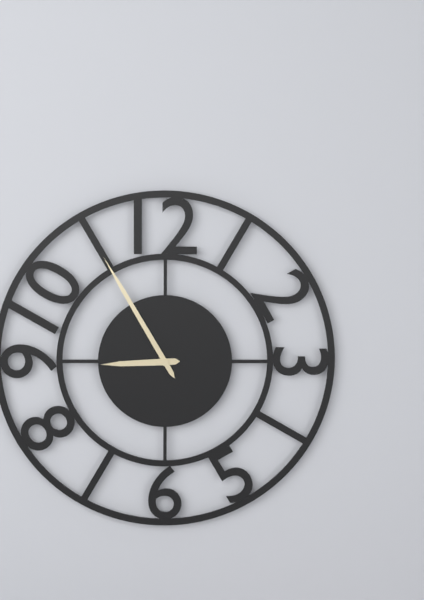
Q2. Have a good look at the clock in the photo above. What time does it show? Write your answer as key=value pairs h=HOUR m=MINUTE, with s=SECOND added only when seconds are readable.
h=8 m=55
